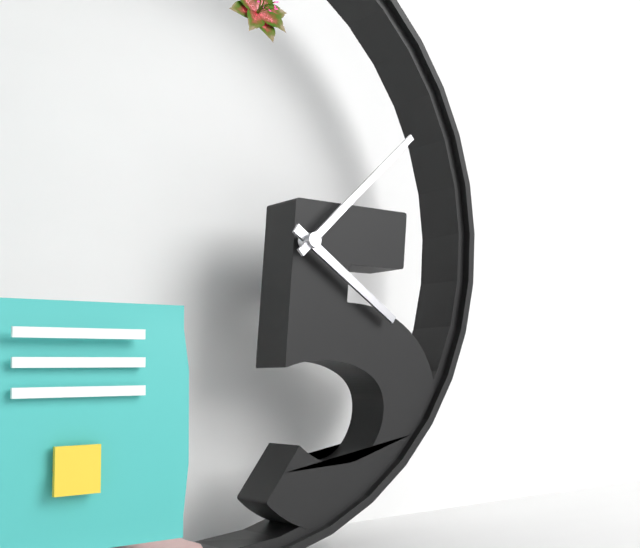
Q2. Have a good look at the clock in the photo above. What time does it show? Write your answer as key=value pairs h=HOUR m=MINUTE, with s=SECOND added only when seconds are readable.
h=4 m=8
